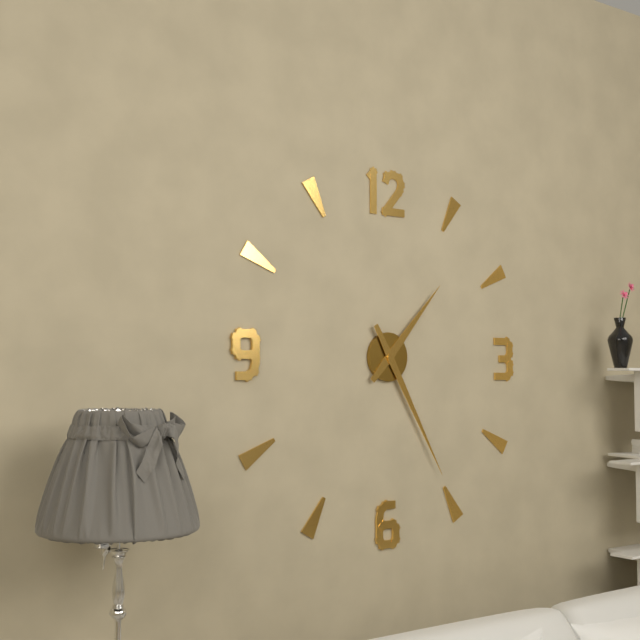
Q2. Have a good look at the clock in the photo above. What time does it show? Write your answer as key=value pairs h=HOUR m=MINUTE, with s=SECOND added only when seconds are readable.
h=1 m=25
